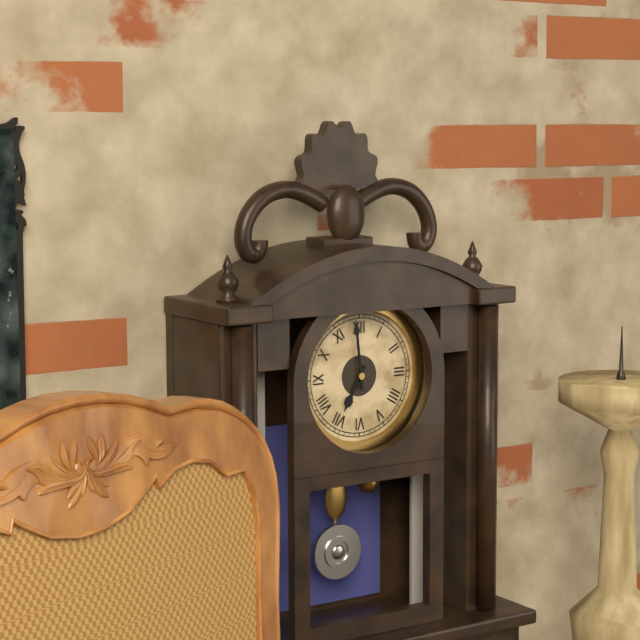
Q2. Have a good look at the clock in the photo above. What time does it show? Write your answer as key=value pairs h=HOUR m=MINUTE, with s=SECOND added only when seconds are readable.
h=6 m=59
